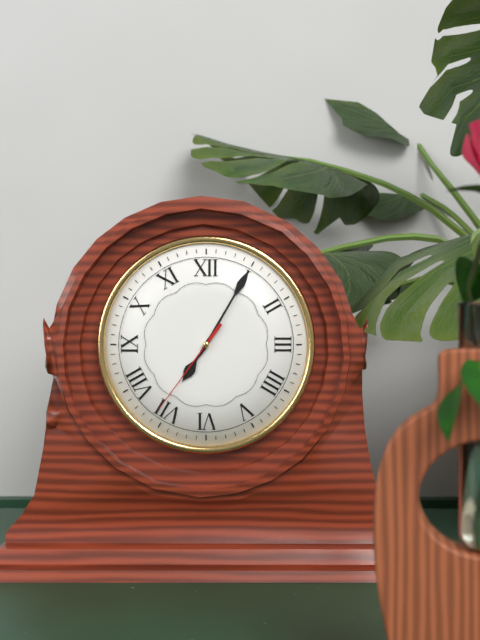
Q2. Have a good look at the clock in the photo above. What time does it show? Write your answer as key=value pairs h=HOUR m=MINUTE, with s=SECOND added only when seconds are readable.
h=7 m=5 s=36
